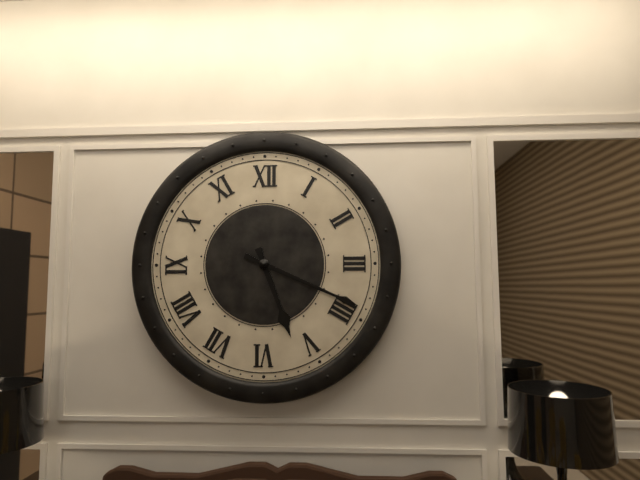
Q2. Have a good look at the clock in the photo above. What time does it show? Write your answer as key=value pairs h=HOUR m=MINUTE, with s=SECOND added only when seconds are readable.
h=5 m=19
